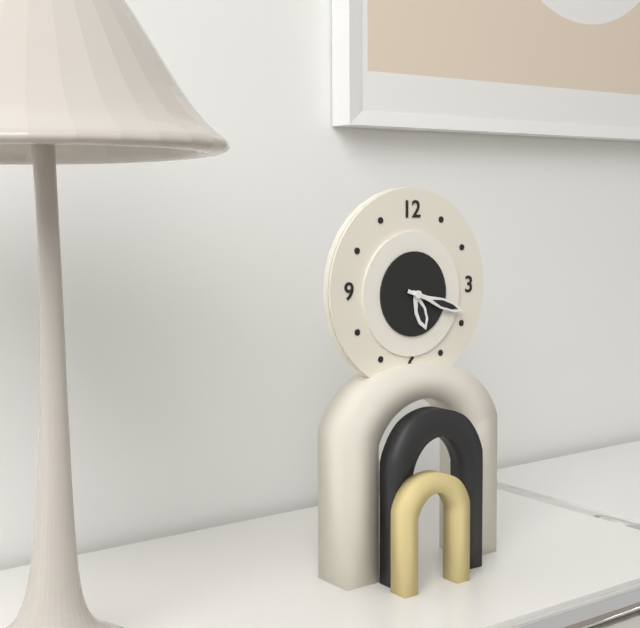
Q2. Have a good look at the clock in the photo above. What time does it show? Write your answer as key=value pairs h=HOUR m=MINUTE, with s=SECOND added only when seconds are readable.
h=5 m=18
